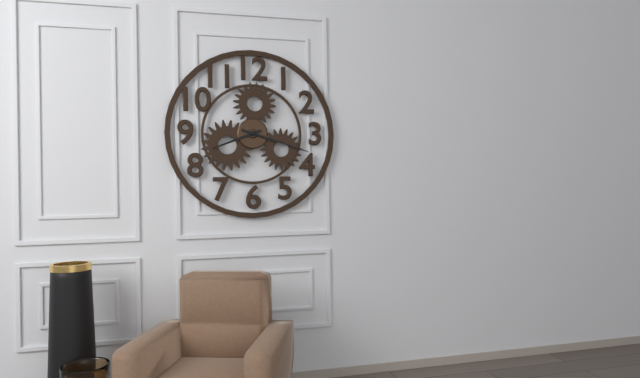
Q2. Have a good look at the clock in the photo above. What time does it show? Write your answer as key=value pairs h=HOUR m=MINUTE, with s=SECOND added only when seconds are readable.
h=8 m=18
